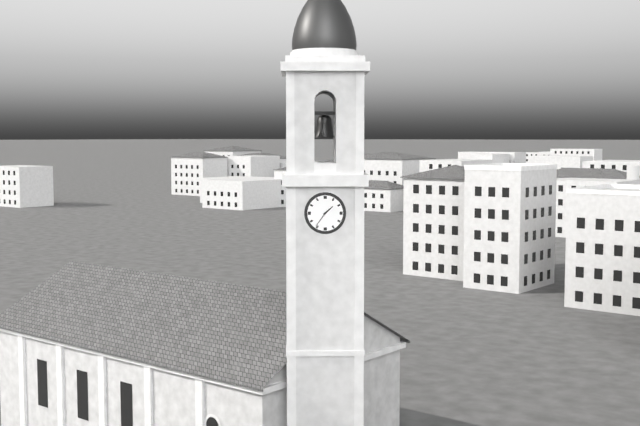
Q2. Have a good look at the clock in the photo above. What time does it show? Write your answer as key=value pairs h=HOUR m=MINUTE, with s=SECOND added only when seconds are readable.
h=1 m=36
